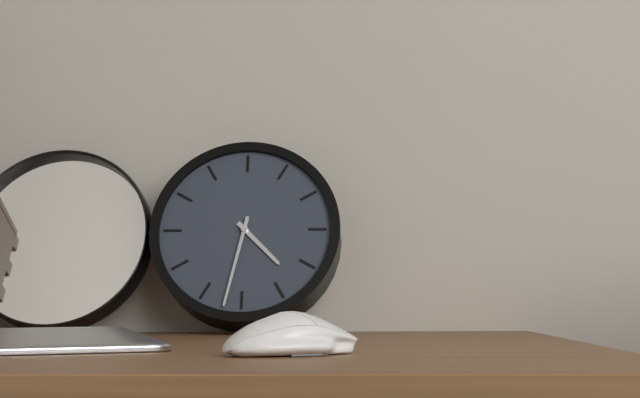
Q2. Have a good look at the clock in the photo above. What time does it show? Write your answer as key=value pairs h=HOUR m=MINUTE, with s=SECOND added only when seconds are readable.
h=4 m=32
